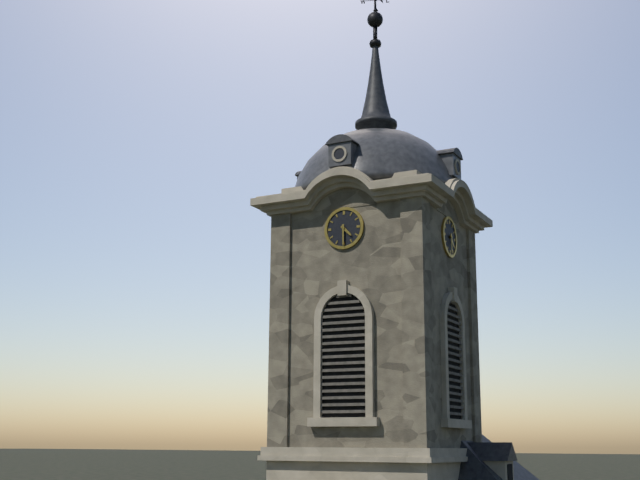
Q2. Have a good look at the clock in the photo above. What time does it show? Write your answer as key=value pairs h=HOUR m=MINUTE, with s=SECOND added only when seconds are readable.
h=4 m=30
